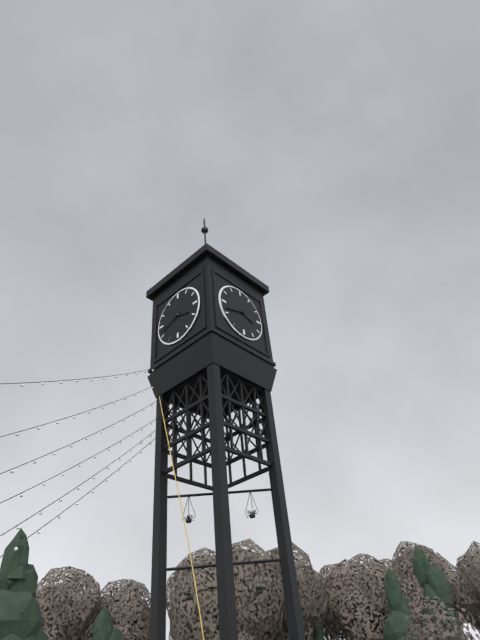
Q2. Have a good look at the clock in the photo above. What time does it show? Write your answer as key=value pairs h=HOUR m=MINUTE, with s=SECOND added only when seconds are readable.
h=3 m=42
